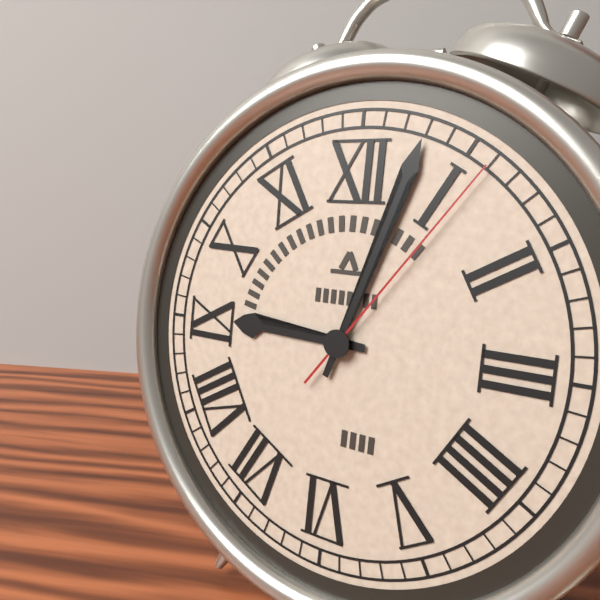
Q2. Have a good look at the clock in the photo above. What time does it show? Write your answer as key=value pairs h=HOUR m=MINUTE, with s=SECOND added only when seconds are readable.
h=9 m=3 s=6
